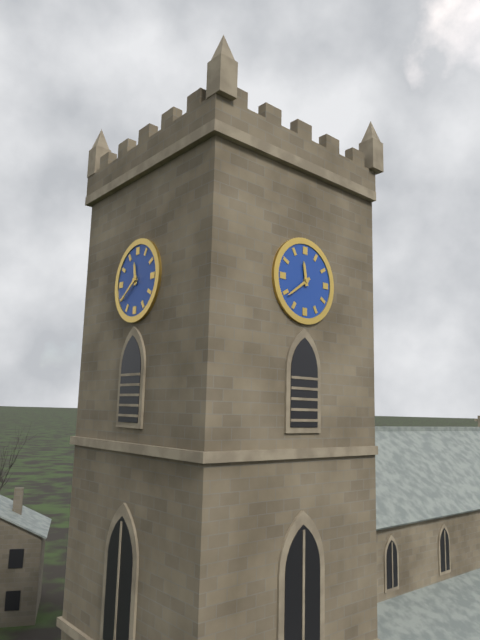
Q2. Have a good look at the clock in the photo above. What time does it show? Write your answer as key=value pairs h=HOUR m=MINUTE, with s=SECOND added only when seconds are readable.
h=11 m=39
